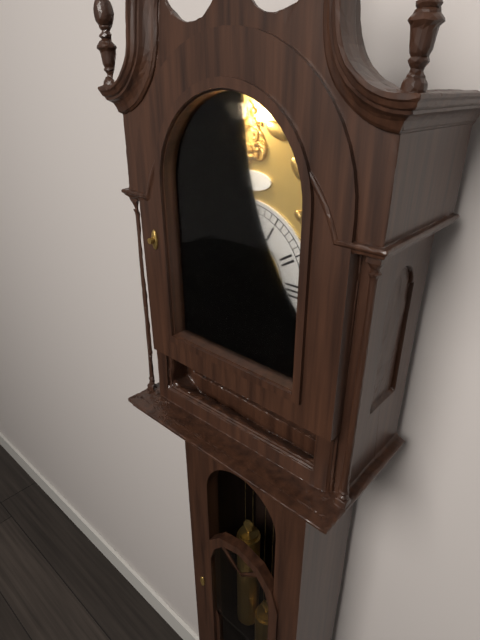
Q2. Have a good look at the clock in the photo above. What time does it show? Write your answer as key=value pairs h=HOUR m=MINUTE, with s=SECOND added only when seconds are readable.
h=9 m=23
